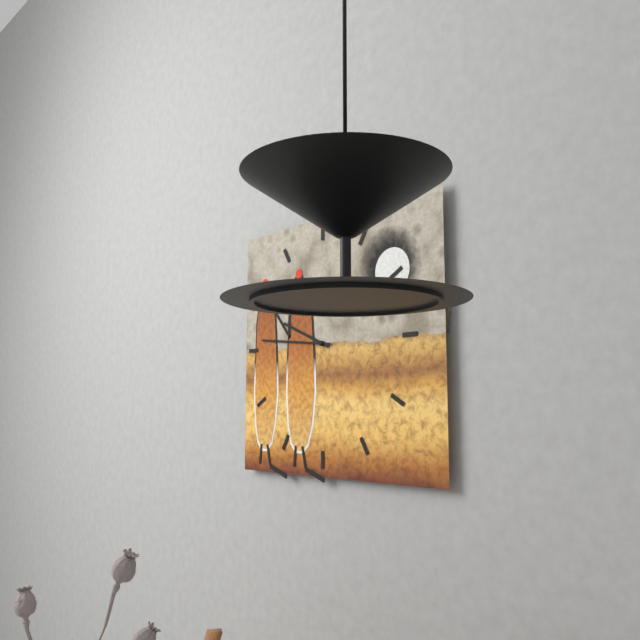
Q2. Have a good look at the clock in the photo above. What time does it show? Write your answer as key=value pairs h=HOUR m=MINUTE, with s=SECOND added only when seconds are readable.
h=9 m=46
